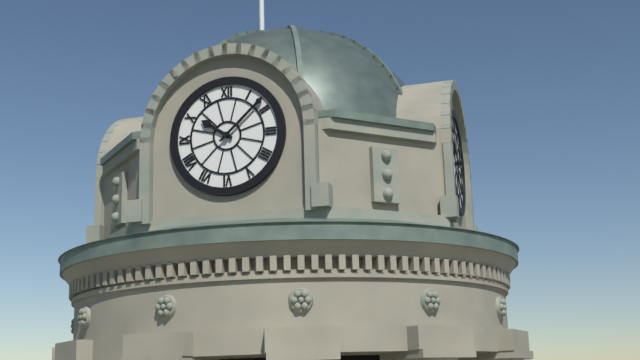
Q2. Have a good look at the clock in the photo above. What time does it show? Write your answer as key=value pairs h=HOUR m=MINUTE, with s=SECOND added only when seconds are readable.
h=10 m=8
